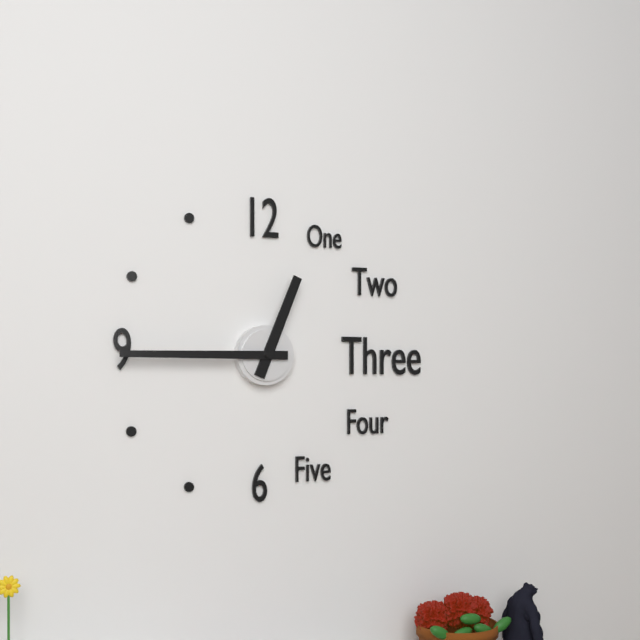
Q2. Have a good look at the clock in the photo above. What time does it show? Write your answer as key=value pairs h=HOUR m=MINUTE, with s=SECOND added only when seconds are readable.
h=12 m=45
